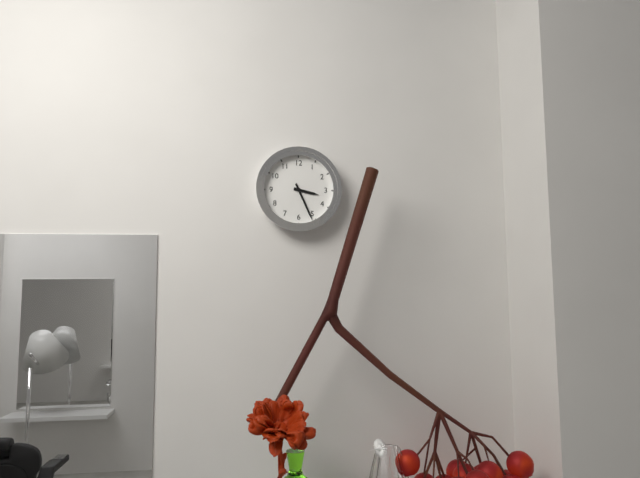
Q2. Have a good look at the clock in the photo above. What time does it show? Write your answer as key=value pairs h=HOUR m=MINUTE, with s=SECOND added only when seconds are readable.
h=3 m=26
